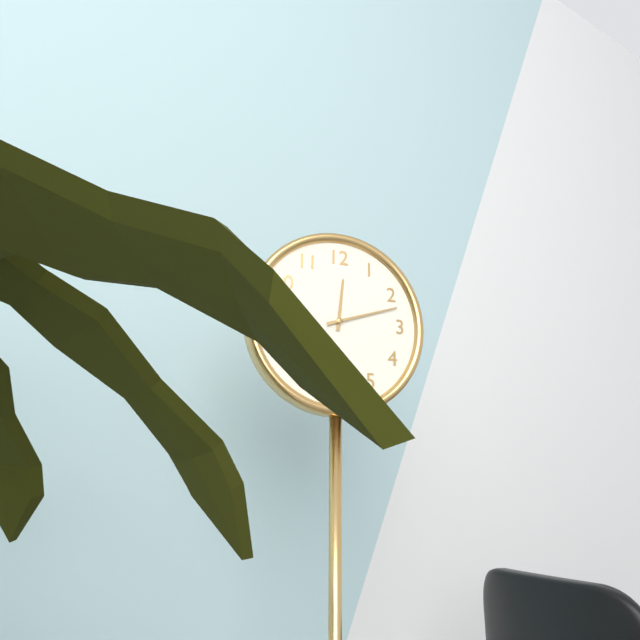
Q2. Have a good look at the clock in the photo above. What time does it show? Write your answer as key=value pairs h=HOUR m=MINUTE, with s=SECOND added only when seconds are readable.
h=12 m=12
